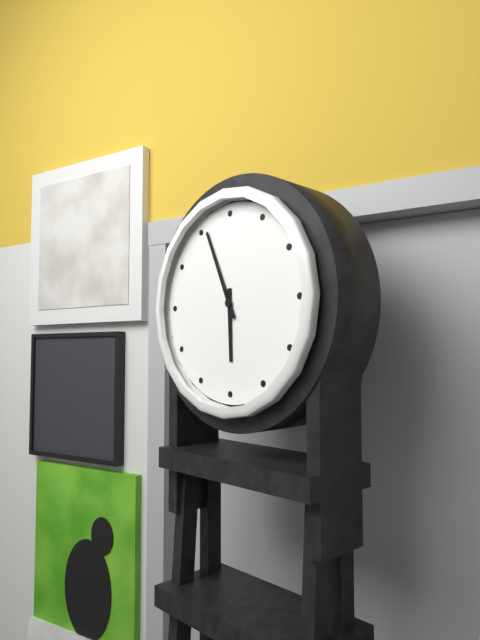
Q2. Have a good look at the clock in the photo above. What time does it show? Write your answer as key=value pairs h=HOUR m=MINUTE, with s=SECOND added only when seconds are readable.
h=5 m=56
